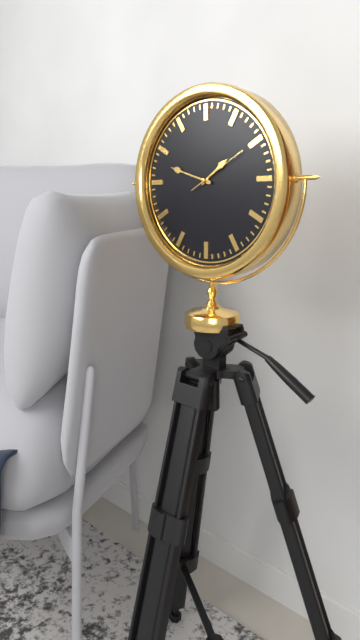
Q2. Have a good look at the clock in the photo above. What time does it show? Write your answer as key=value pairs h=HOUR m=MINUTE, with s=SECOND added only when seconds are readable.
h=1 m=48 s=10
